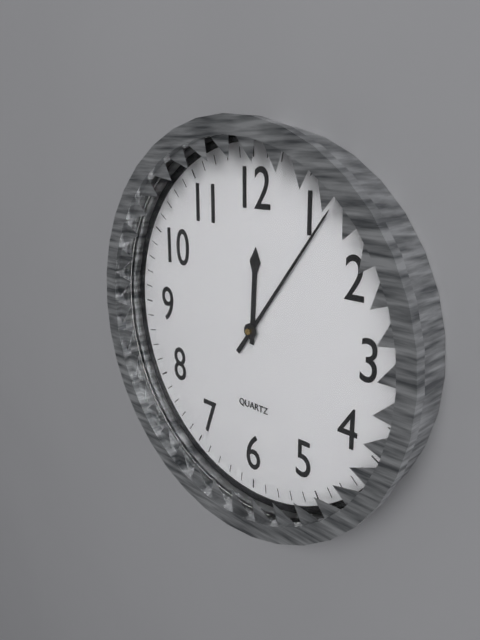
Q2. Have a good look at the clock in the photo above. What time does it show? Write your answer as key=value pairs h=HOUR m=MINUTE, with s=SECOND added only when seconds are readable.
h=12 m=6
